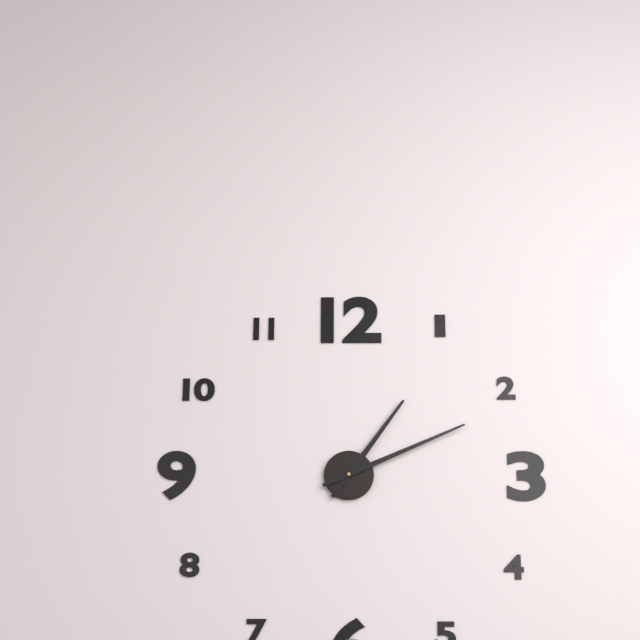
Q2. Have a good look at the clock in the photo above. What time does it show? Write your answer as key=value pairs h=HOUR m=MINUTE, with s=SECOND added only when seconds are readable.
h=1 m=11
